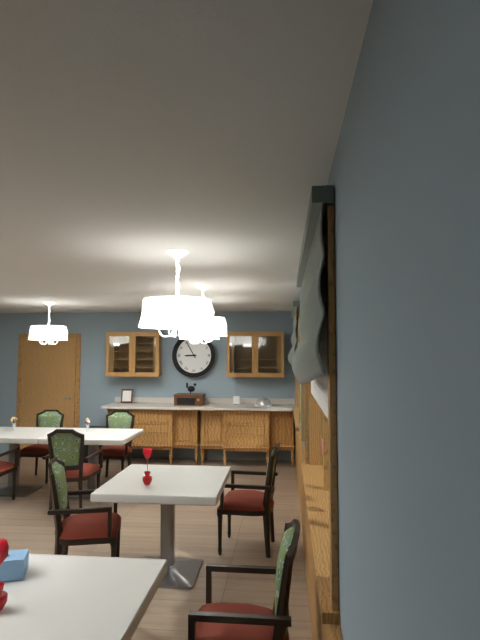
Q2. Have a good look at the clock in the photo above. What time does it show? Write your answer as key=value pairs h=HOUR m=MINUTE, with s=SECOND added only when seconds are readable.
h=8 m=55
